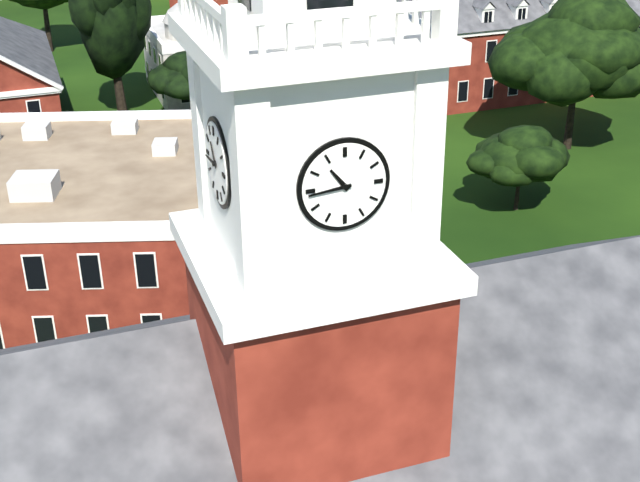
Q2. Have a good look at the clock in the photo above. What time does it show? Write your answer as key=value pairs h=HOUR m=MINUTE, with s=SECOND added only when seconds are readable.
h=10 m=44
